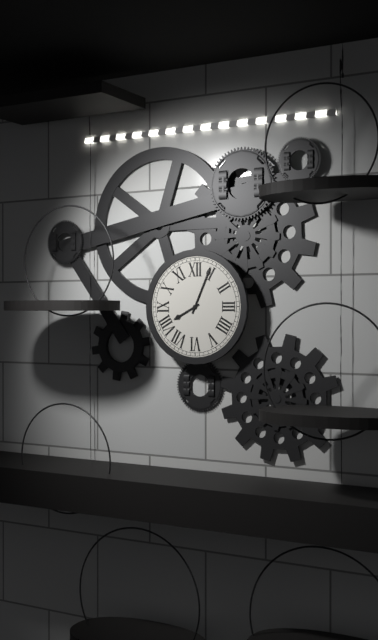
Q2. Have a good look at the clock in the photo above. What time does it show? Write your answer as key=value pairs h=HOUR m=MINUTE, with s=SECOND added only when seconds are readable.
h=8 m=4
